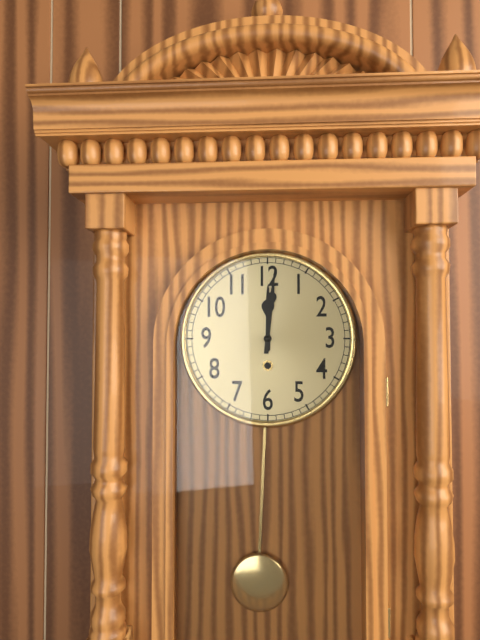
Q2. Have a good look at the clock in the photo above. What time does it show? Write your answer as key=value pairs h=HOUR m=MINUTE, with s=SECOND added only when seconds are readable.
h=12 m=1
